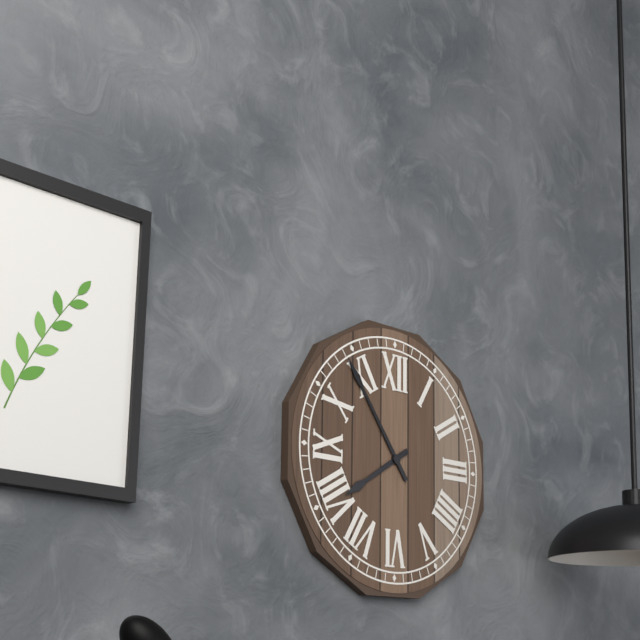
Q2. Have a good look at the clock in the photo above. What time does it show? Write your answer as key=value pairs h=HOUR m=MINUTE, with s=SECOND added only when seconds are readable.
h=7 m=54
